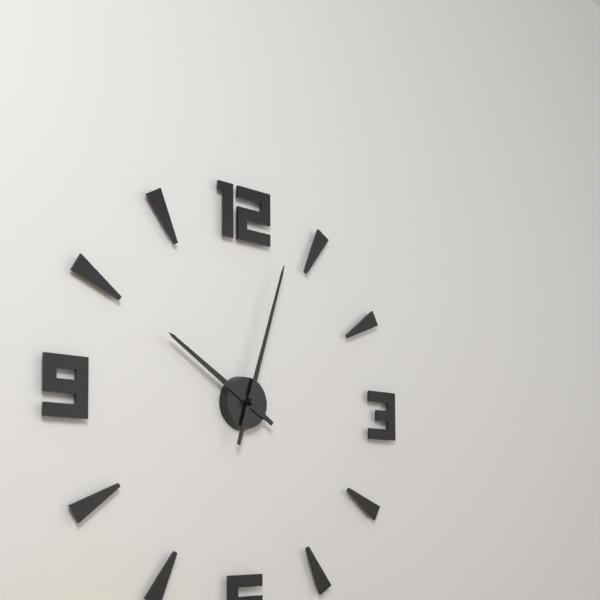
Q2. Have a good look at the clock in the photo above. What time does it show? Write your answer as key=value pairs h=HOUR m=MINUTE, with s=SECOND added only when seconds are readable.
h=10 m=3
